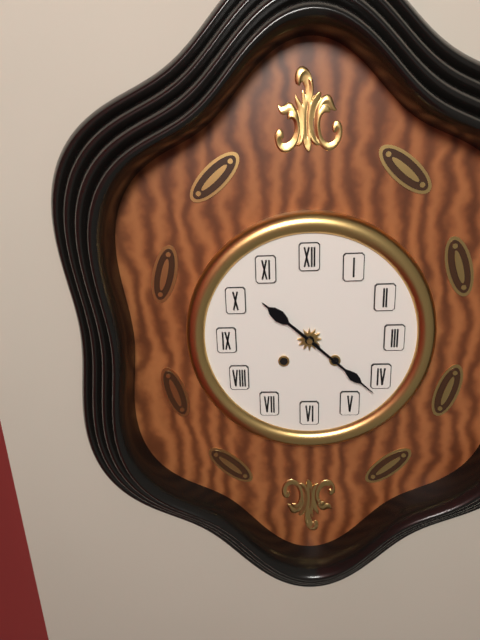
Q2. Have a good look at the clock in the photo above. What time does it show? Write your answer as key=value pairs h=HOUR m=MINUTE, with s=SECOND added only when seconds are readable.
h=10 m=22
